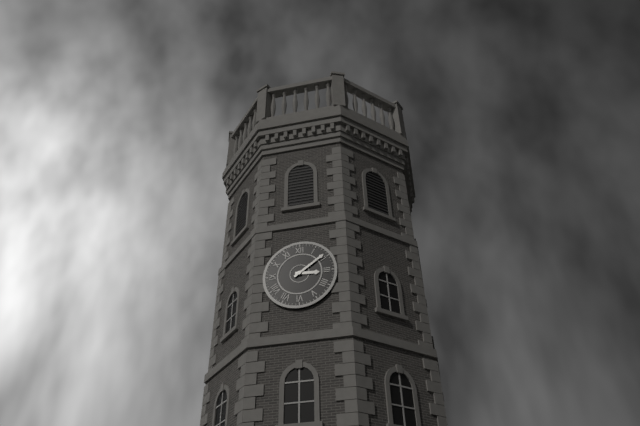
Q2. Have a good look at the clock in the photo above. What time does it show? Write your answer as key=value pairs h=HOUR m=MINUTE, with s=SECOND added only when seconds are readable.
h=3 m=9
